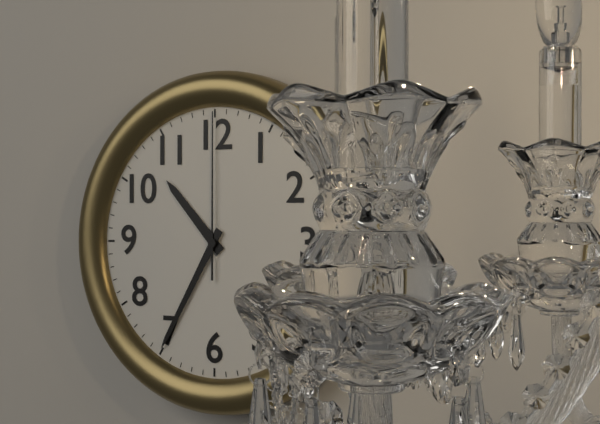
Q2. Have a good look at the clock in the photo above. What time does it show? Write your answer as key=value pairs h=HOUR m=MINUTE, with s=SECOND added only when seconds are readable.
h=10 m=35 s=0
